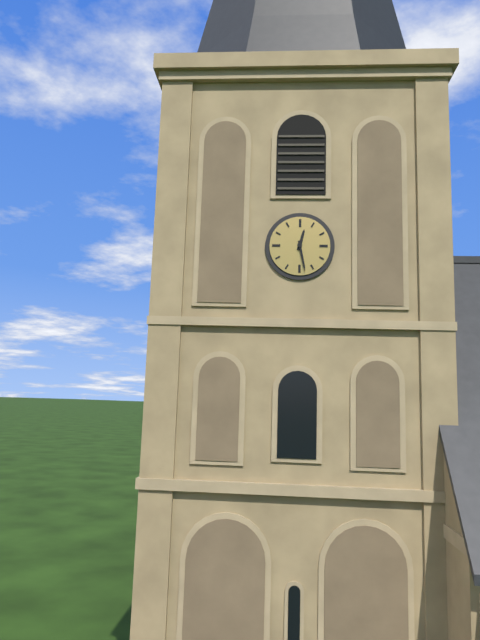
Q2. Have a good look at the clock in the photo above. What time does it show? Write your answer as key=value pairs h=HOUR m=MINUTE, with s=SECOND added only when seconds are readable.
h=12 m=28
